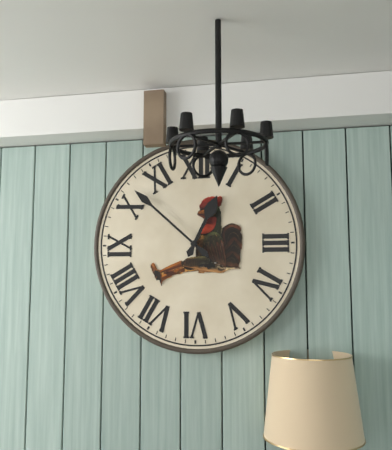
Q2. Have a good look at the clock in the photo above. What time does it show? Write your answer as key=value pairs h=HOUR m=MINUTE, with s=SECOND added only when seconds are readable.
h=12 m=52
